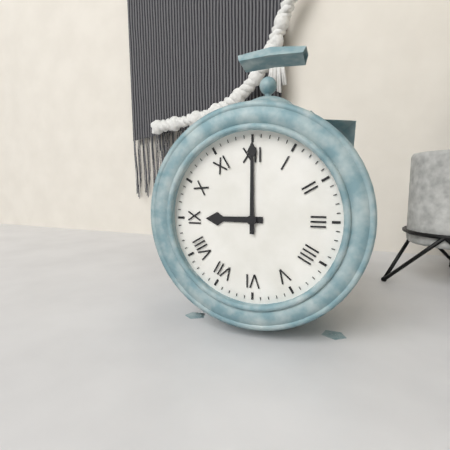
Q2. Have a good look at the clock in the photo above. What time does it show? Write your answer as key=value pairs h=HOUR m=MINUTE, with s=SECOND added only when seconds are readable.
h=9 m=0
